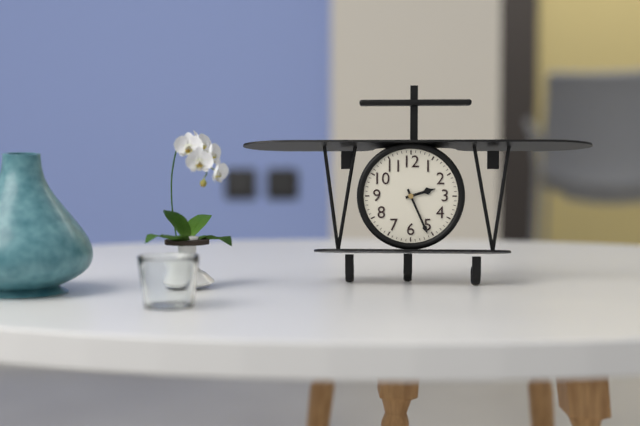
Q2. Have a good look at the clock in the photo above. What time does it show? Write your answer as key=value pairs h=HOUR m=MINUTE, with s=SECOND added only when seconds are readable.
h=2 m=26
